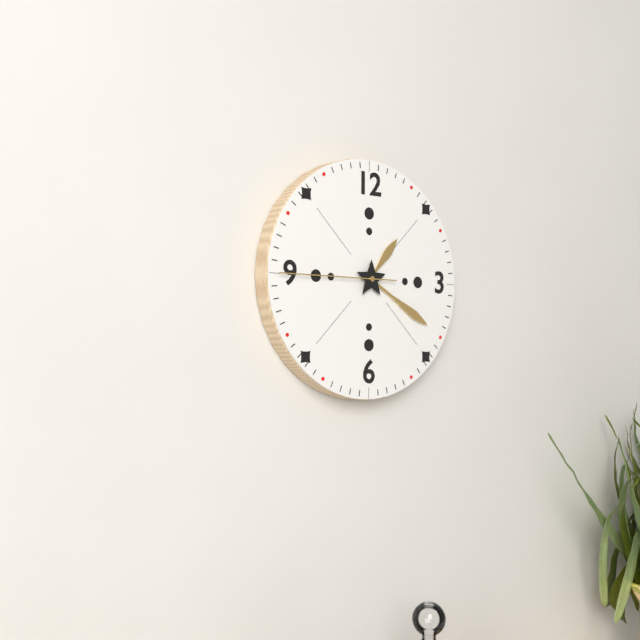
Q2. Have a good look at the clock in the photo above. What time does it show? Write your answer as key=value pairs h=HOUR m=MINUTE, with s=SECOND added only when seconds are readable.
h=1 m=20 s=45
